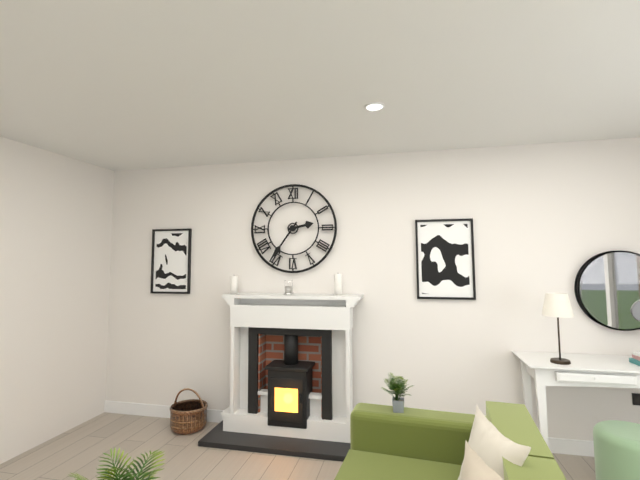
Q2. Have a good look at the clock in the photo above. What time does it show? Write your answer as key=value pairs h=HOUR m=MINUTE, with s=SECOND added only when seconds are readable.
h=2 m=36
